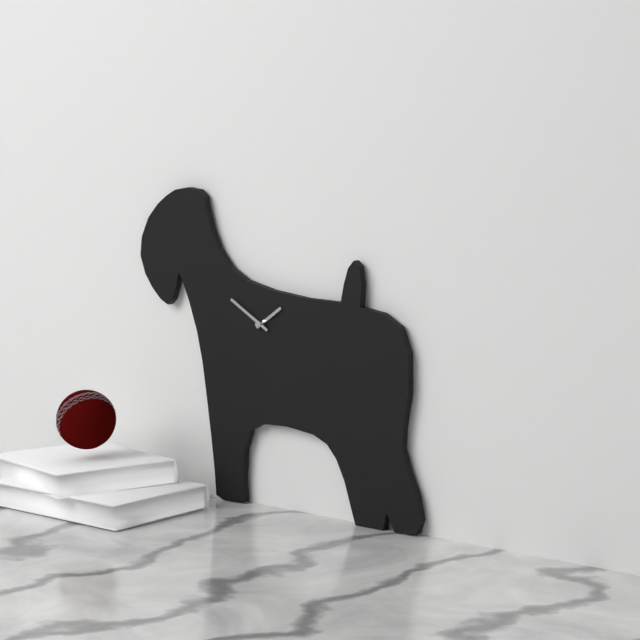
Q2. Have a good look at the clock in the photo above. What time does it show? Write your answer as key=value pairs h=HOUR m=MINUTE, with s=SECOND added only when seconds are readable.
h=1 m=50
